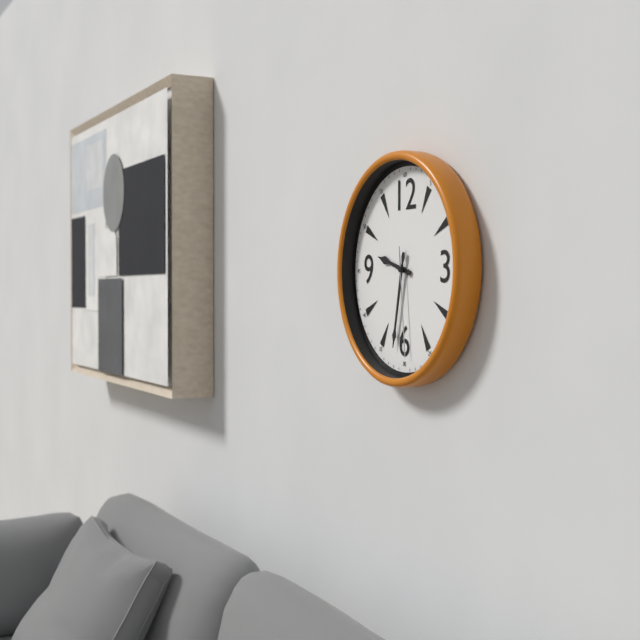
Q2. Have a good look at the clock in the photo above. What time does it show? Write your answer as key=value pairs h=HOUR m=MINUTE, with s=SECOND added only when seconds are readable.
h=9 m=32 s=29
